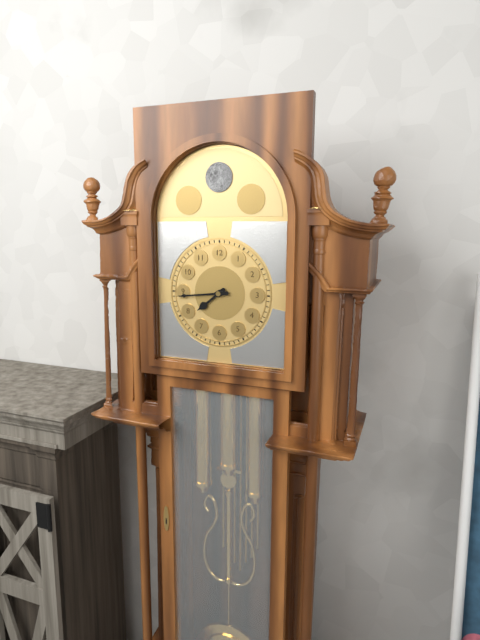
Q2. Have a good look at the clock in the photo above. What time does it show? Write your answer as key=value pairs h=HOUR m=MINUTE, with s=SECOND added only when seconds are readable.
h=7 m=44
